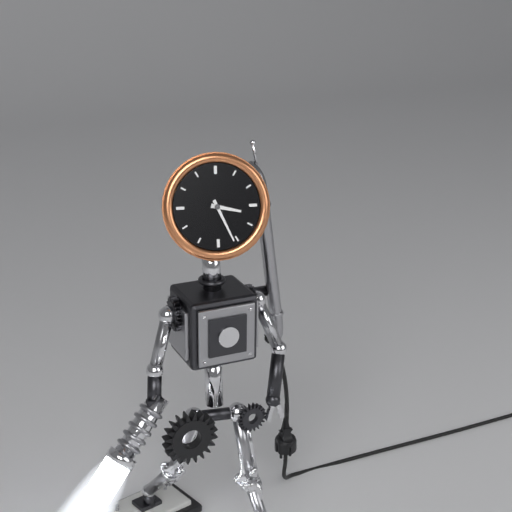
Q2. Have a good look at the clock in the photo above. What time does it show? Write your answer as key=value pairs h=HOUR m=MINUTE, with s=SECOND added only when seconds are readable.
h=3 m=26
